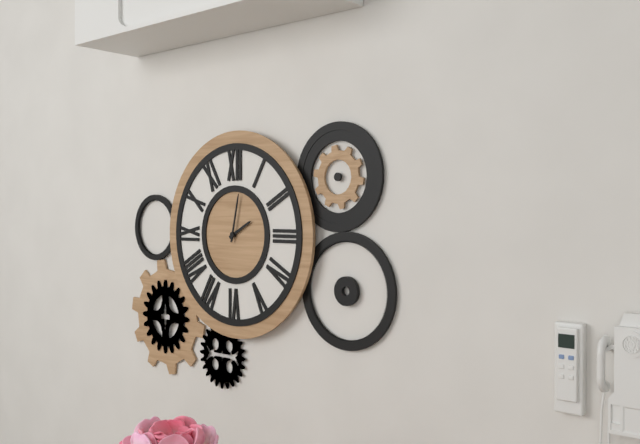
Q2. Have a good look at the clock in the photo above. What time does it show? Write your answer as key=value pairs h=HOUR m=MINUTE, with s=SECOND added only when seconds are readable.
h=2 m=2
